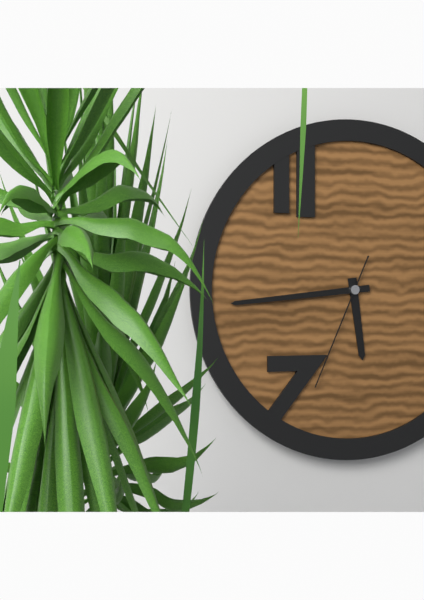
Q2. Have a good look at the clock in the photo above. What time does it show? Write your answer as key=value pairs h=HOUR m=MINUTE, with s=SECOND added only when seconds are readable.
h=5 m=44 s=34
